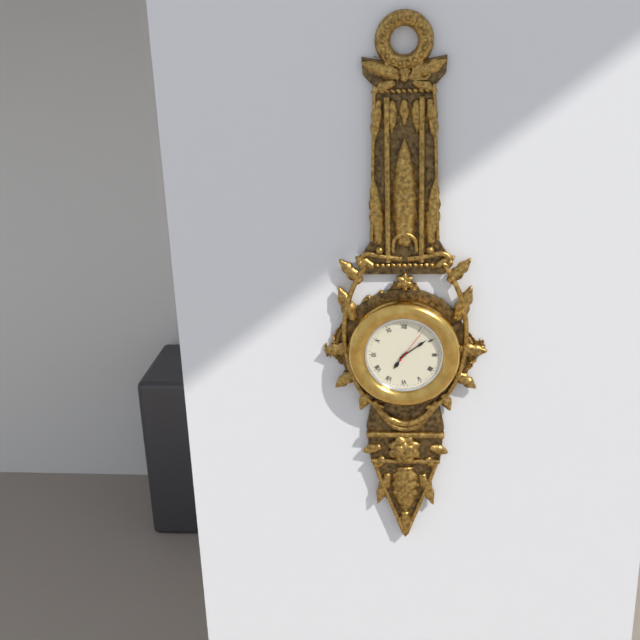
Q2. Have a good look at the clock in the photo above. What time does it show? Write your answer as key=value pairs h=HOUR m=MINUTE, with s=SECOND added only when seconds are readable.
h=7 m=9
